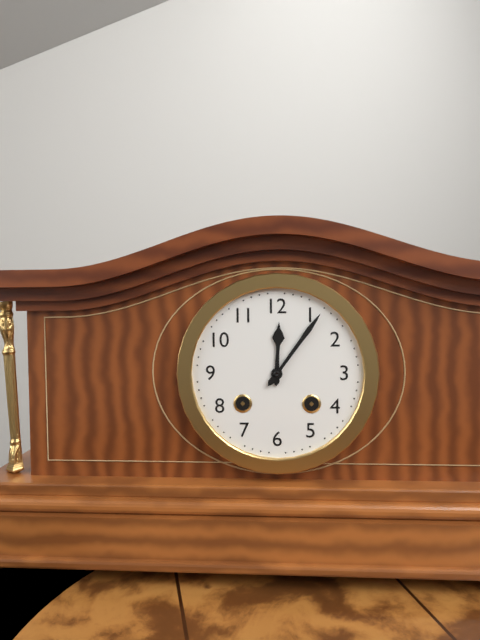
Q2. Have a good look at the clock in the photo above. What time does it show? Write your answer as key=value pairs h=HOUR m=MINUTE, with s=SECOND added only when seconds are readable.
h=12 m=6
